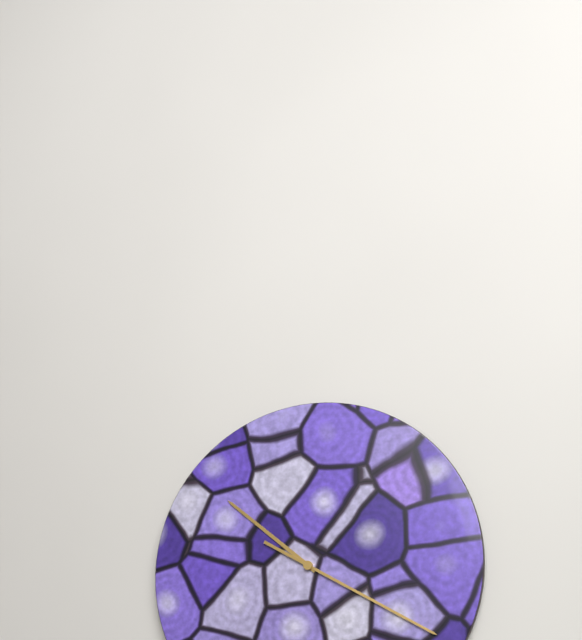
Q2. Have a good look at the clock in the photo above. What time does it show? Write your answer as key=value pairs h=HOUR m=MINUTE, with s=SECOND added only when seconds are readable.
h=10 m=20
